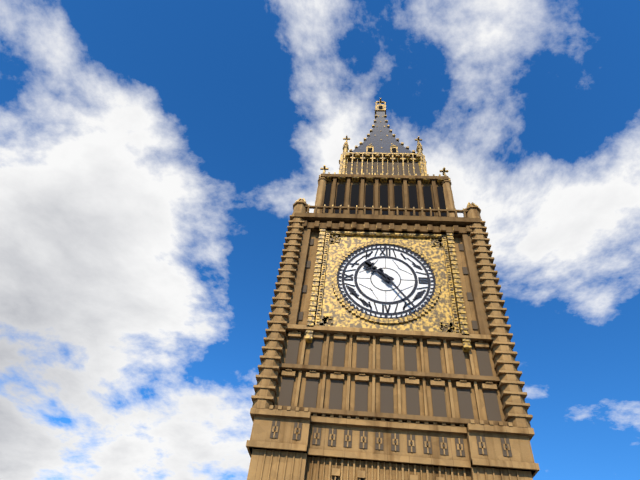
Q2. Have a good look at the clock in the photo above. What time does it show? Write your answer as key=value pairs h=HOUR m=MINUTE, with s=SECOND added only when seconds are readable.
h=10 m=24
